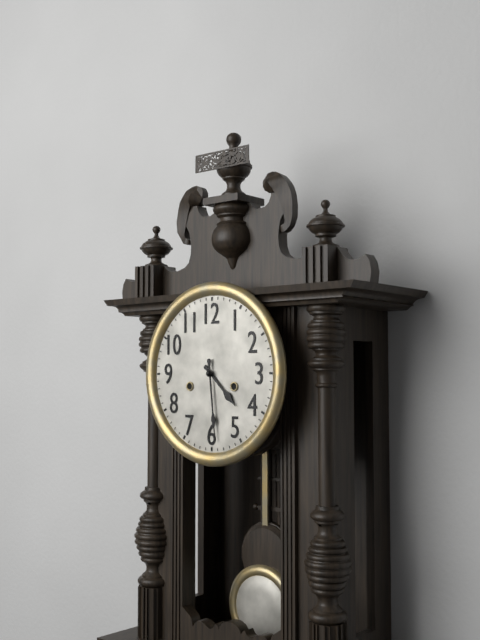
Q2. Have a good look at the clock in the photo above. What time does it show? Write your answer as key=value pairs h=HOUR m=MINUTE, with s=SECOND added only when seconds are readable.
h=4 m=29
